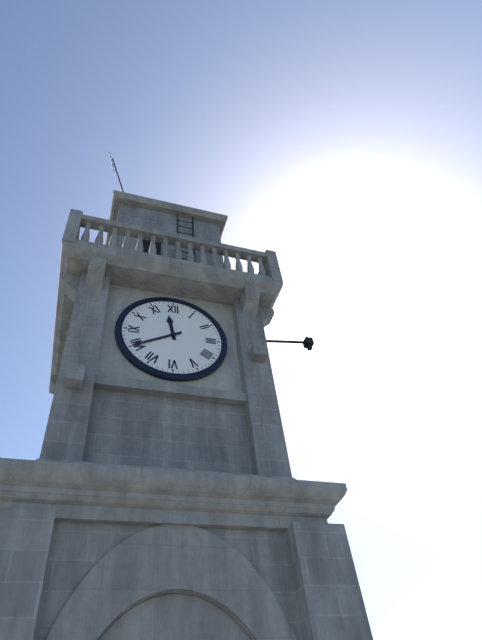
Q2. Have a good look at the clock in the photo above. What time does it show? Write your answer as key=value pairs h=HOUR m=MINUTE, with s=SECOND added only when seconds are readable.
h=11 m=40
